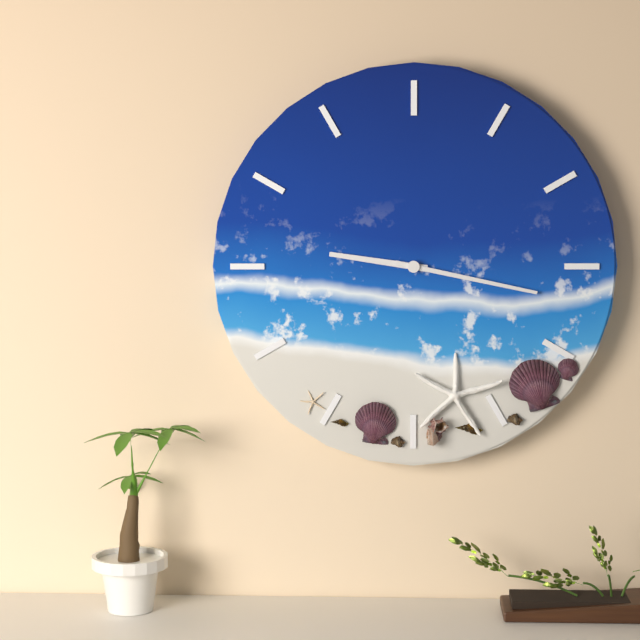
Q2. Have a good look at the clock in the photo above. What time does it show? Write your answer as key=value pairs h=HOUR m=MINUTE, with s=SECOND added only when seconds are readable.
h=9 m=17
